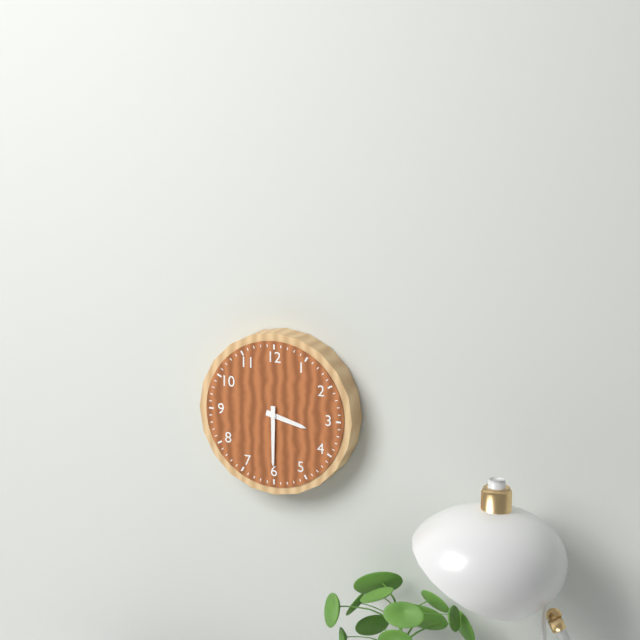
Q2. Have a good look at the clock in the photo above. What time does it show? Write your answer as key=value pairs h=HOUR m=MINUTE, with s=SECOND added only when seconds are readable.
h=3 m=30
